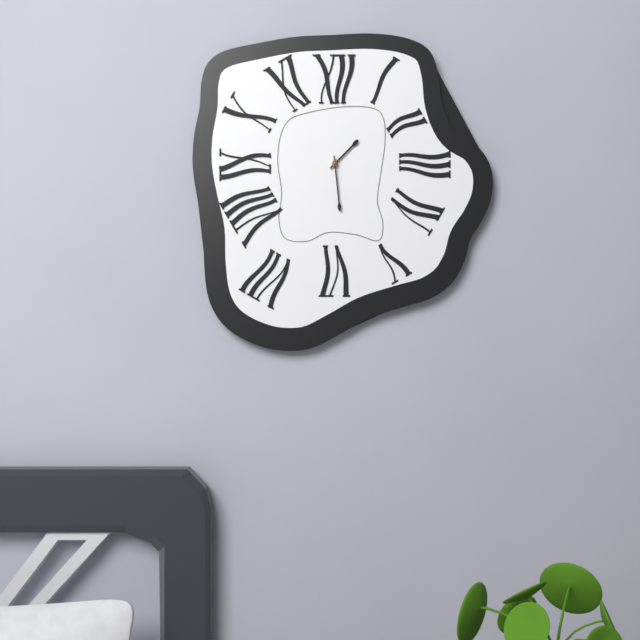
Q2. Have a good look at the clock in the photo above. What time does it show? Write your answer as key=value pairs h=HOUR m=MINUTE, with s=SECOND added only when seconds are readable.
h=1 m=29
